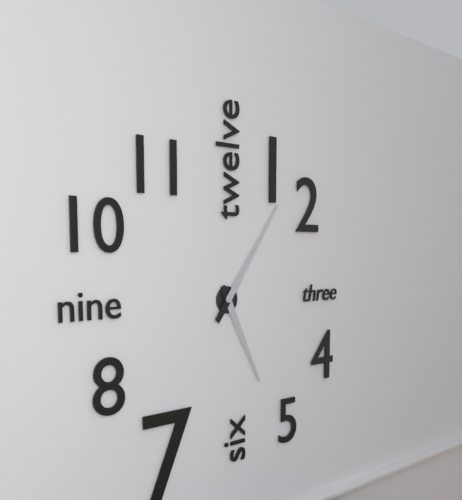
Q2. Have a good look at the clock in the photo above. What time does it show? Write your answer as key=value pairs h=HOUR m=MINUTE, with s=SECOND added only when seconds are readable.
h=5 m=6
